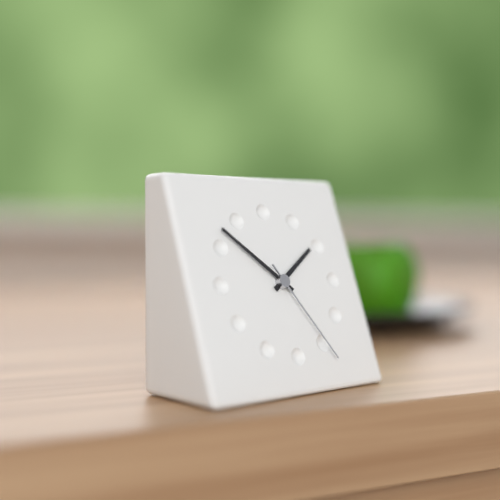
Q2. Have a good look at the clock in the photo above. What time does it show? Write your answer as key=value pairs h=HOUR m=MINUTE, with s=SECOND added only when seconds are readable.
h=1 m=52 s=25
